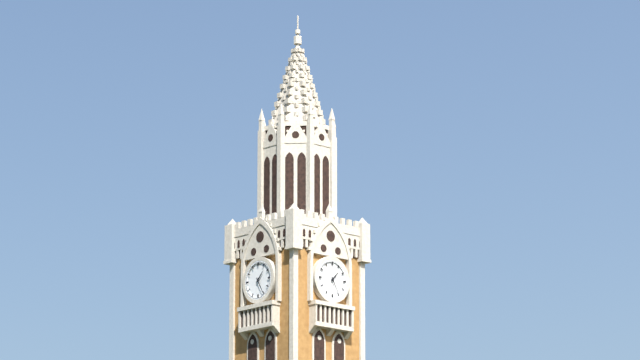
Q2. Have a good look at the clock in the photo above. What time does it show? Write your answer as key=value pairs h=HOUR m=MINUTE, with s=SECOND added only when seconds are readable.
h=1 m=25
